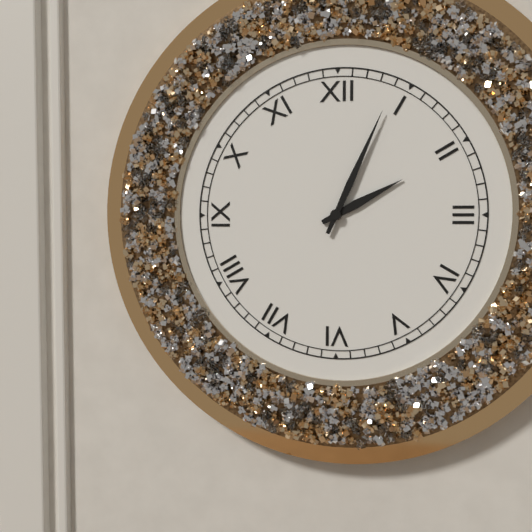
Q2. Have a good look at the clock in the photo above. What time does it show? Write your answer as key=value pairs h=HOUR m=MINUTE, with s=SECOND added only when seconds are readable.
h=2 m=4
